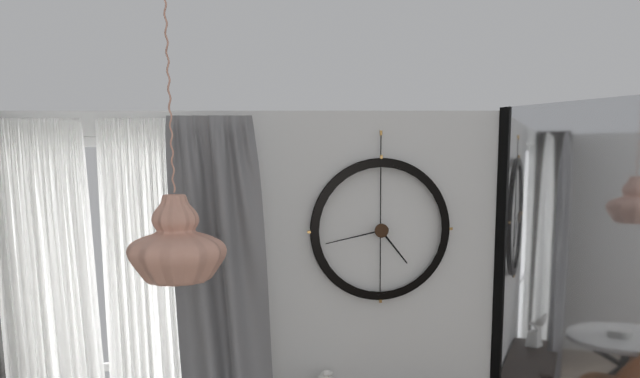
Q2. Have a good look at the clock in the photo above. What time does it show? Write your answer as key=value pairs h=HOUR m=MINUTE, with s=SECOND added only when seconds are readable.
h=4 m=43
